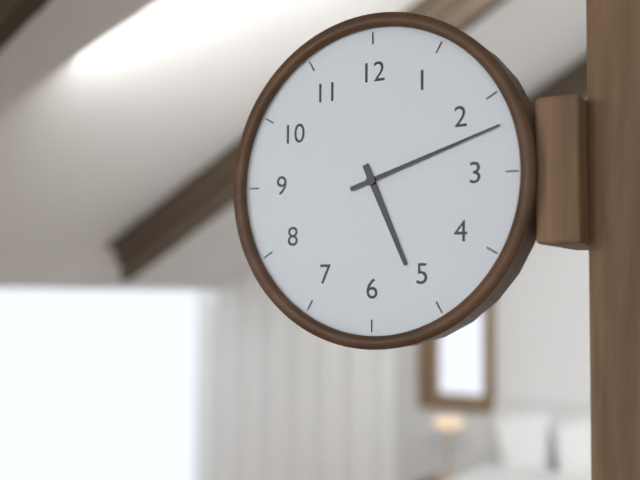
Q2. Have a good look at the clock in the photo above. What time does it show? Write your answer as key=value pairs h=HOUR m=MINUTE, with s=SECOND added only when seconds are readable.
h=5 m=12
